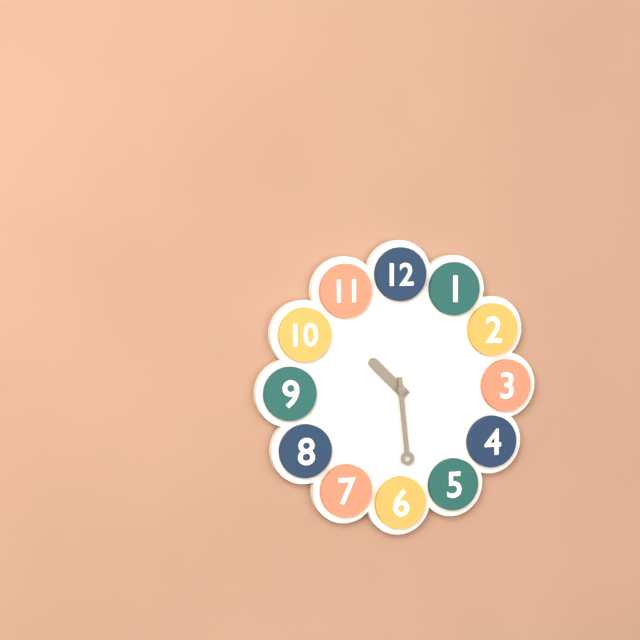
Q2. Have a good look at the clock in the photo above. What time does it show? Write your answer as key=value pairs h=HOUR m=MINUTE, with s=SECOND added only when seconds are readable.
h=10 m=29
